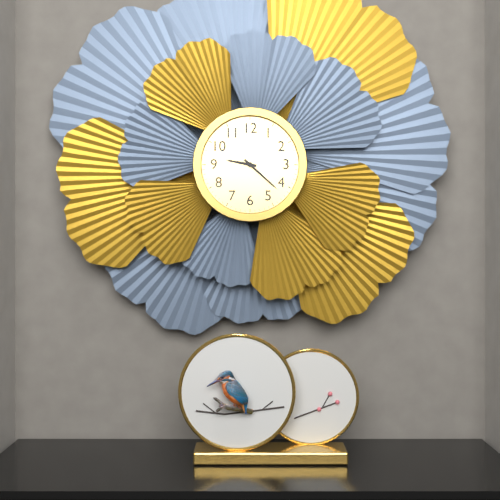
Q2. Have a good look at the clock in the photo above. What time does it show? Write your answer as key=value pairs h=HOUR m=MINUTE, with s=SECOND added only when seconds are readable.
h=9 m=22
